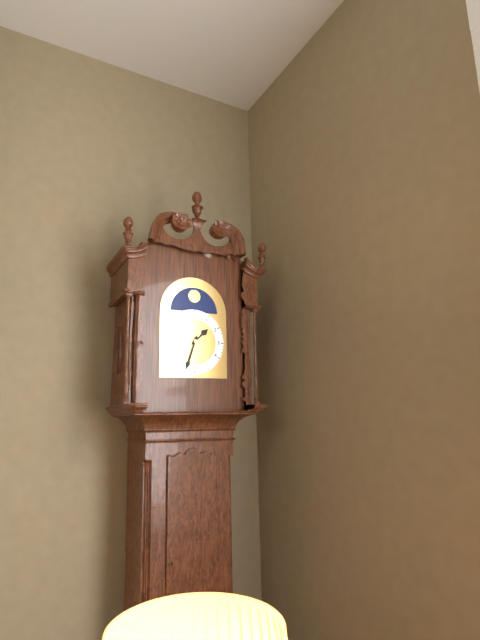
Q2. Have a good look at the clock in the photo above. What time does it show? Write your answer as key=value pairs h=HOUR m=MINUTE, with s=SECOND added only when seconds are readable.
h=1 m=33
